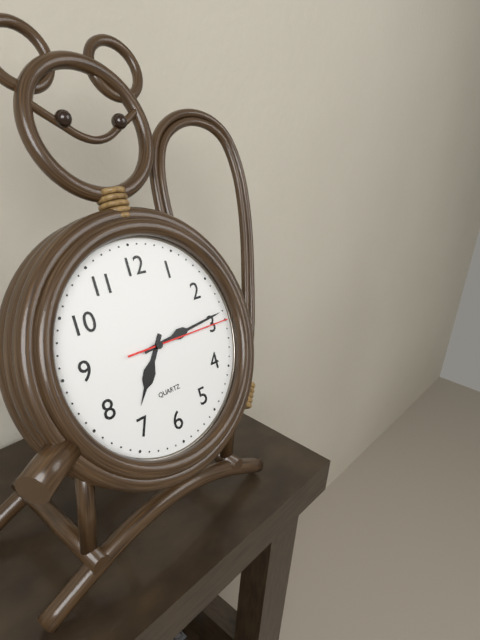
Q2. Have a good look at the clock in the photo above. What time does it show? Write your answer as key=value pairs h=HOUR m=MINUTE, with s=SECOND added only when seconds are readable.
h=7 m=14 s=15
